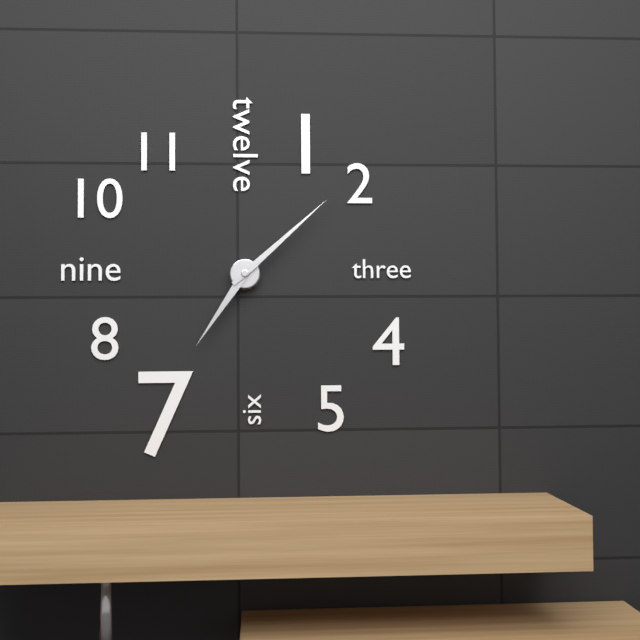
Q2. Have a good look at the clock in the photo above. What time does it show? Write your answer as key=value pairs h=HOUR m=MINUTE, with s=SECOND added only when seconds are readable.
h=7 m=8
